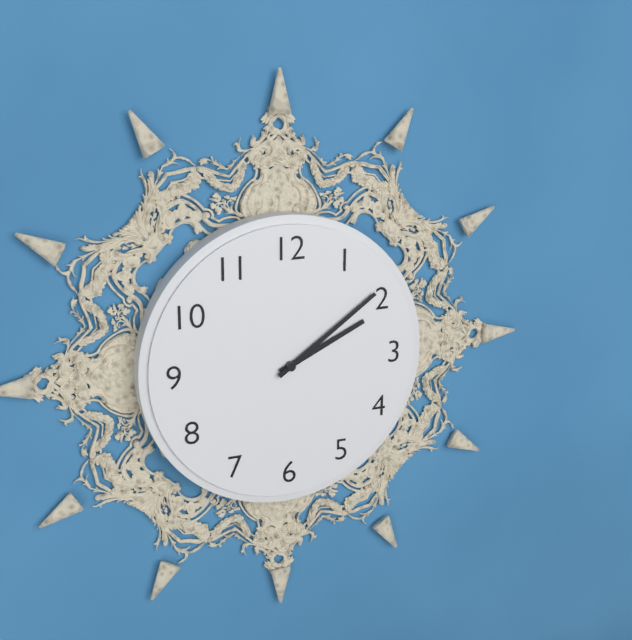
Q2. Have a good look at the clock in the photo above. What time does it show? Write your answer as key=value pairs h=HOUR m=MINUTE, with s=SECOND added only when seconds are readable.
h=2 m=9
